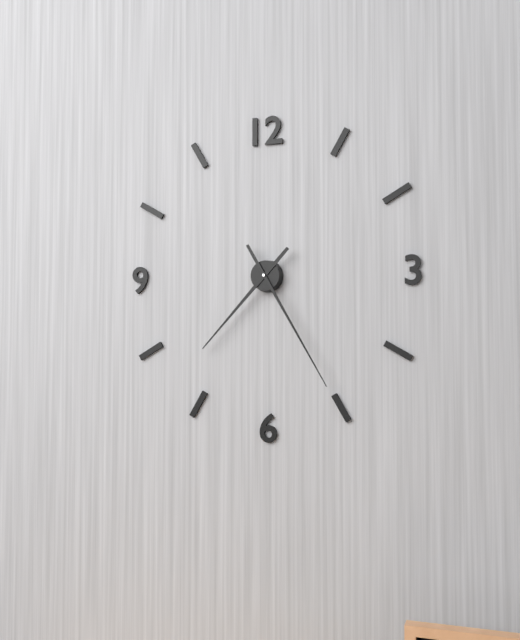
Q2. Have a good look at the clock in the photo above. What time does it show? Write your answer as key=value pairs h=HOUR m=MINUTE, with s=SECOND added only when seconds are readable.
h=7 m=25
